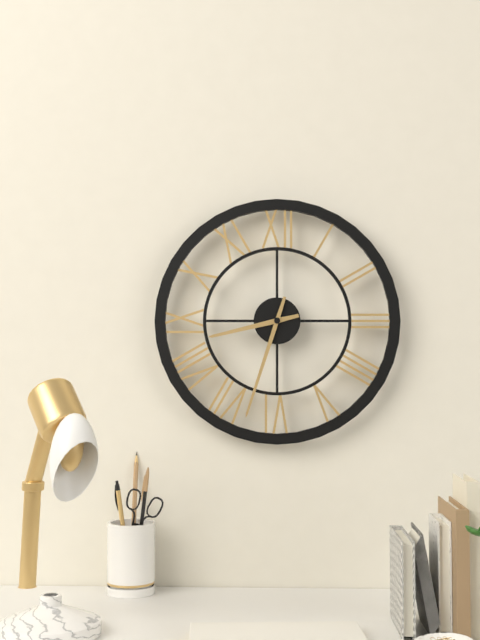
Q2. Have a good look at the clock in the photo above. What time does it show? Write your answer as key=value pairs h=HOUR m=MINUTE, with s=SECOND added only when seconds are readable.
h=8 m=33
